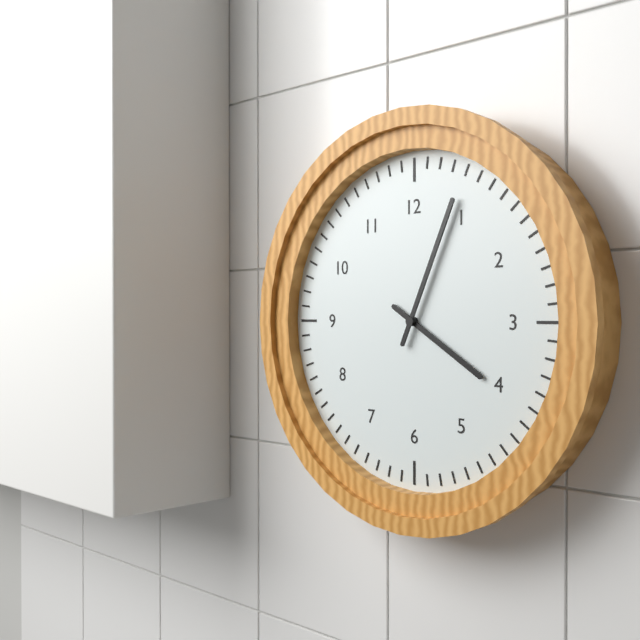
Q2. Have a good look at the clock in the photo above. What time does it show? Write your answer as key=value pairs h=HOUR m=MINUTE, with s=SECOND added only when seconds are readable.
h=4 m=4
